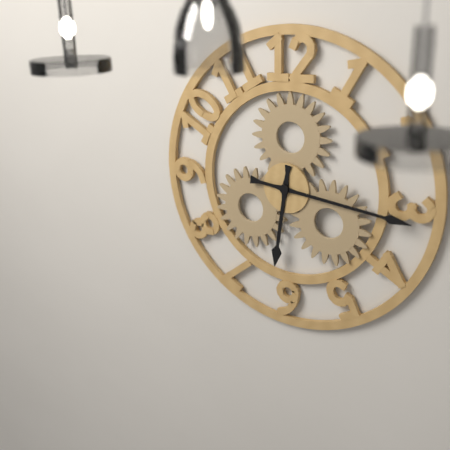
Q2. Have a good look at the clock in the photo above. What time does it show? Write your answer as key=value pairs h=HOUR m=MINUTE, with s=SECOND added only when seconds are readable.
h=6 m=16
